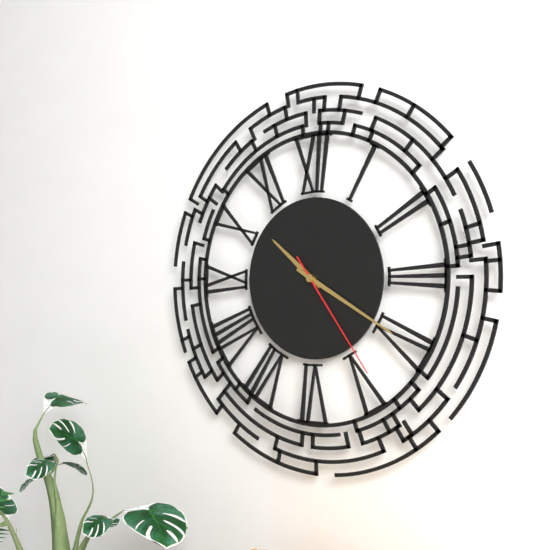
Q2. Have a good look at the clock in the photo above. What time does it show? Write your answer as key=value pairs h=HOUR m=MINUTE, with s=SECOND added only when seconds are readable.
h=10 m=20 s=24
